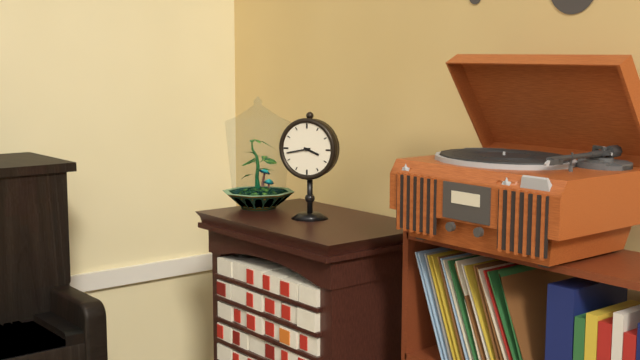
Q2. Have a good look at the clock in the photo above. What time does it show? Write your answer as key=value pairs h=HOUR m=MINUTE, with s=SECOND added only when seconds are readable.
h=3 m=43
